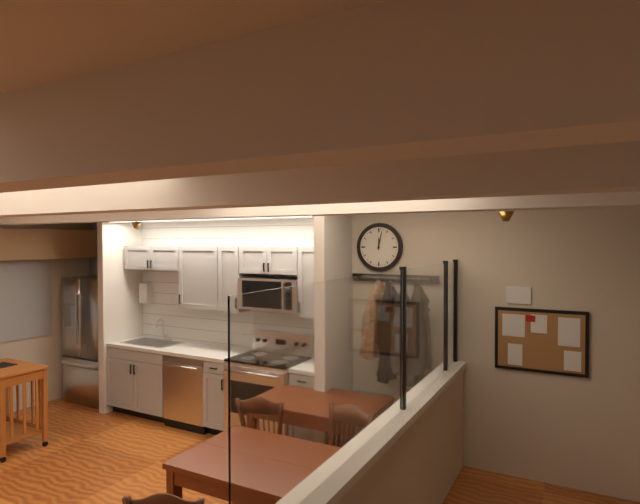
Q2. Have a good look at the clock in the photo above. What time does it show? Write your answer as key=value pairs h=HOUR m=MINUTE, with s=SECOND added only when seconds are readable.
h=12 m=2
